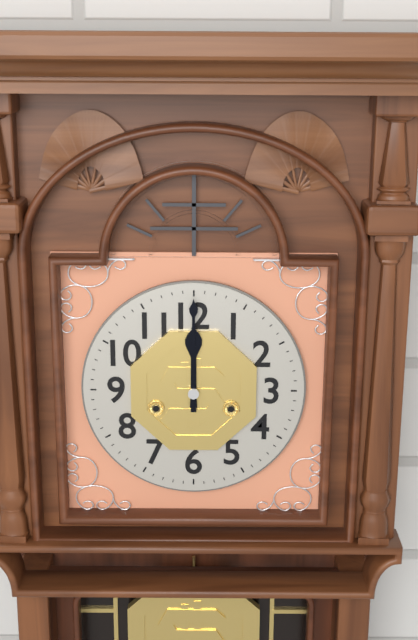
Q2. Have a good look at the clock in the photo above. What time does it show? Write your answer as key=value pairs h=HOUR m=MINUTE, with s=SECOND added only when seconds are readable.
h=12 m=0
